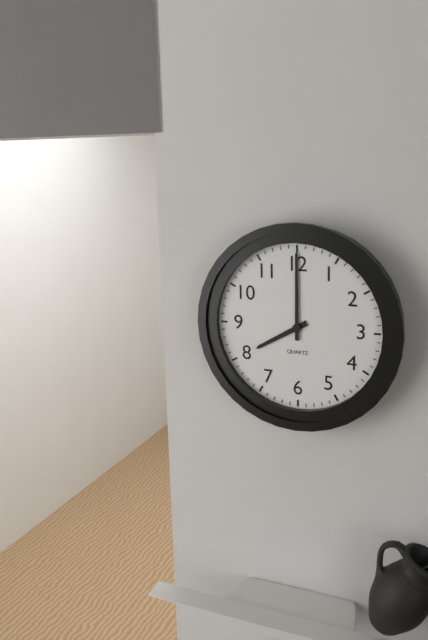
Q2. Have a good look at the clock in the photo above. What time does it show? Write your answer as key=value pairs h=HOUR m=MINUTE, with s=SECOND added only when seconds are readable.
h=8 m=0
